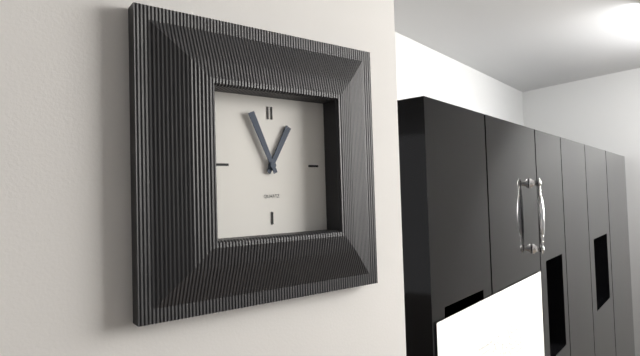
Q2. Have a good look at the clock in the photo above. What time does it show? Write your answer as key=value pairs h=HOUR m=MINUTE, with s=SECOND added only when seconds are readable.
h=12 m=56
